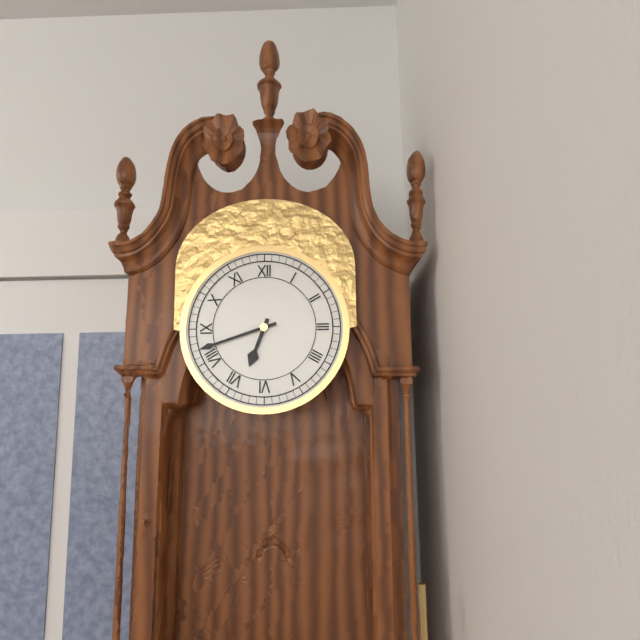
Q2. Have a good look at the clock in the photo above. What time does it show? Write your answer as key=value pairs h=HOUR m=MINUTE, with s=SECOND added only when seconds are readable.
h=6 m=42
